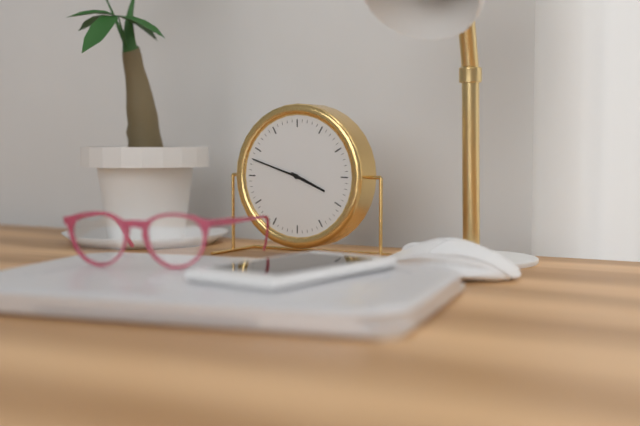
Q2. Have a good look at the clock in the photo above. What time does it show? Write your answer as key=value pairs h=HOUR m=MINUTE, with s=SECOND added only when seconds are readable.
h=3 m=48
